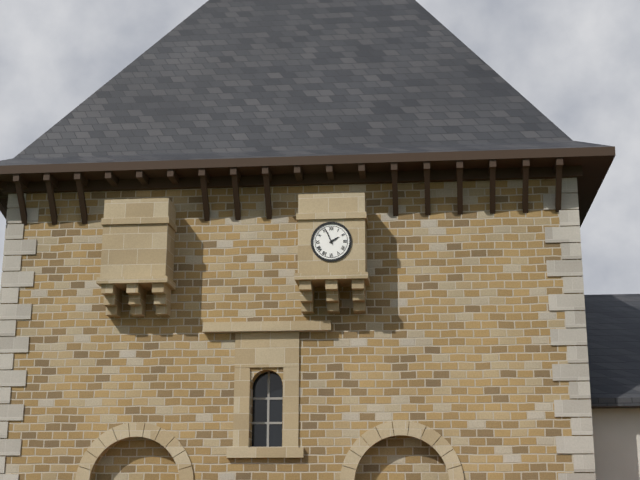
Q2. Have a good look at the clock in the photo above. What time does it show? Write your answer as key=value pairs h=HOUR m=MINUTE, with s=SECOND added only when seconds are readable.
h=1 m=56
